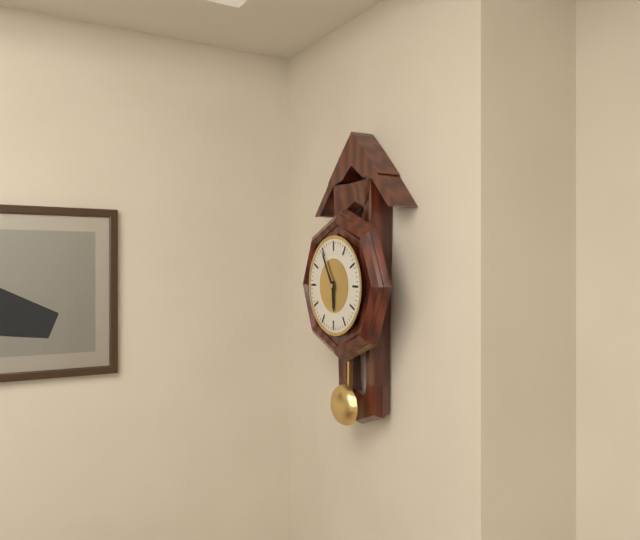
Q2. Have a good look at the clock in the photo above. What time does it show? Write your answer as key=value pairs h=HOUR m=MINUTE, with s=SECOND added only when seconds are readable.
h=5 m=55
